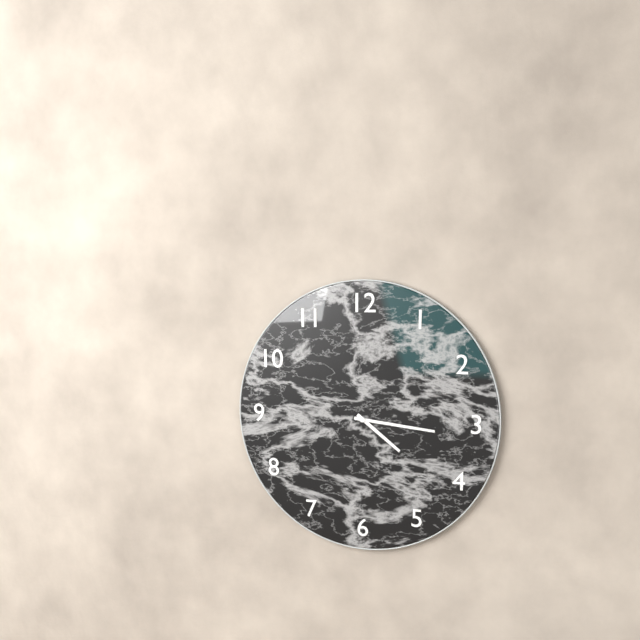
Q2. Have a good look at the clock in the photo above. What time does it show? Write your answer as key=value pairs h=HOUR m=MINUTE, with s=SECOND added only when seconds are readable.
h=4 m=16
